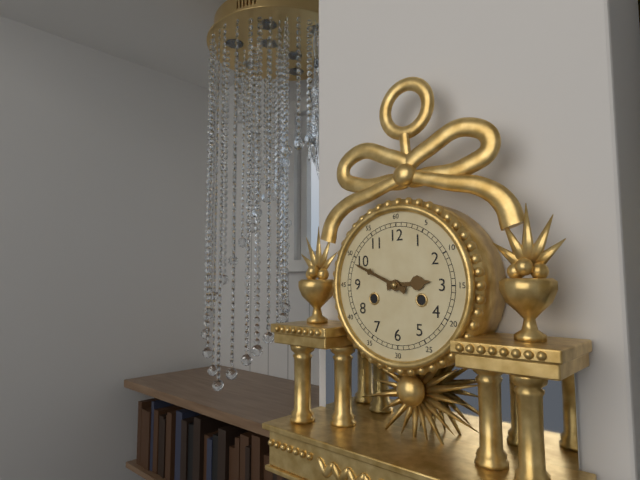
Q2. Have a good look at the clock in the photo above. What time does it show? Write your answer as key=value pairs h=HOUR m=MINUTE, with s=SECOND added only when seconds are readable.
h=2 m=49
